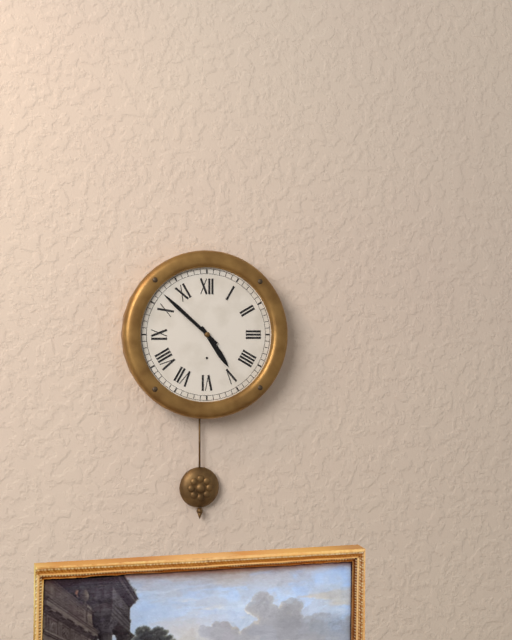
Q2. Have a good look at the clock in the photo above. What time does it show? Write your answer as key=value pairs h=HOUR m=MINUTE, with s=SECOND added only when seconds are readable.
h=4 m=52
